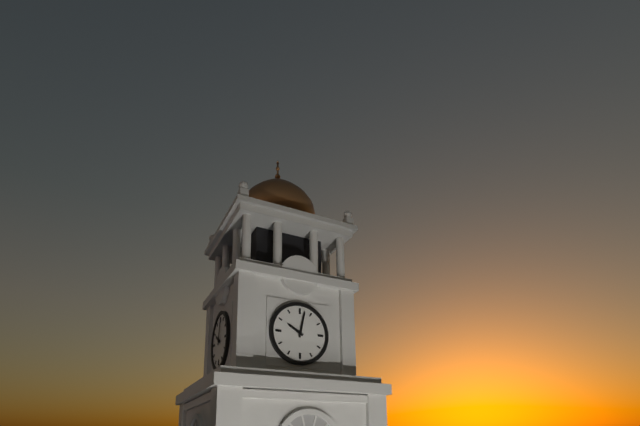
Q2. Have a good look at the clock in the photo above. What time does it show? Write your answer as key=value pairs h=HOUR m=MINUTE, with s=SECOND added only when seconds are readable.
h=10 m=2
